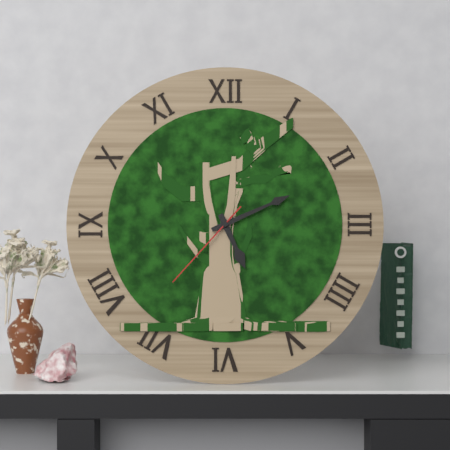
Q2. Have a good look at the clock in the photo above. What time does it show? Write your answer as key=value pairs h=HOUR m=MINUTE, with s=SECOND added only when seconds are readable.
h=5 m=11 s=37
